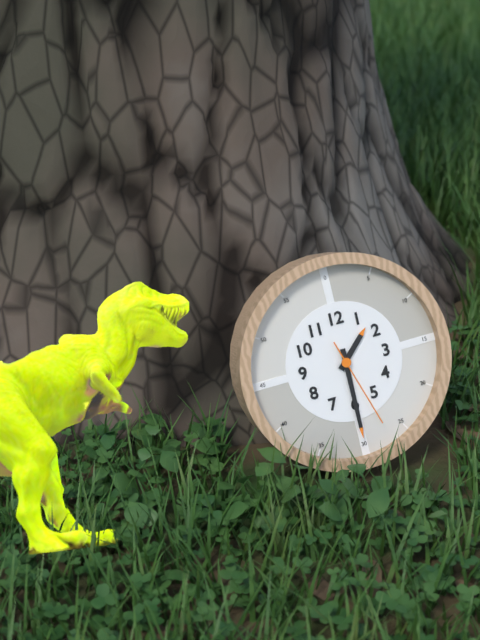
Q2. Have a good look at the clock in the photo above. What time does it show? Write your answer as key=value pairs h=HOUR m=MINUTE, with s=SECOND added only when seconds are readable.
h=1 m=30 s=27
